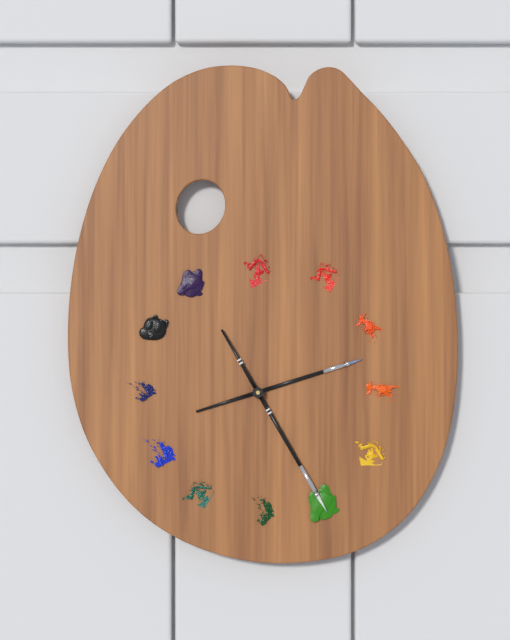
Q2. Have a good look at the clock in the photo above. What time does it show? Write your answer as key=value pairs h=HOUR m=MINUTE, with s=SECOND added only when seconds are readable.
h=2 m=25
